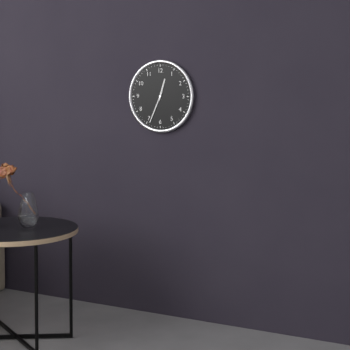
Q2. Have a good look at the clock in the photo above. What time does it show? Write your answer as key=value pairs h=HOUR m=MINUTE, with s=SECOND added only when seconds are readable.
h=12 m=34
